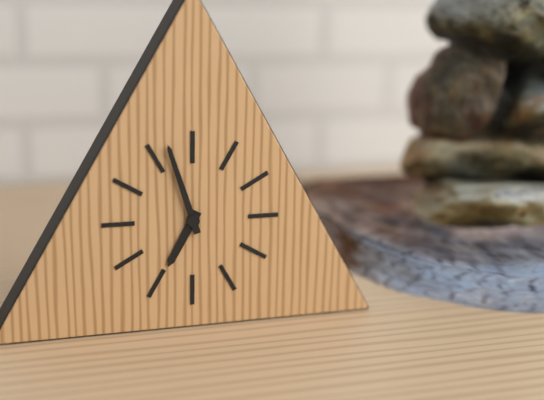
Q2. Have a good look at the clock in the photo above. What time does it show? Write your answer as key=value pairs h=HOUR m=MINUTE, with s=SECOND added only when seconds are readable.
h=6 m=57
